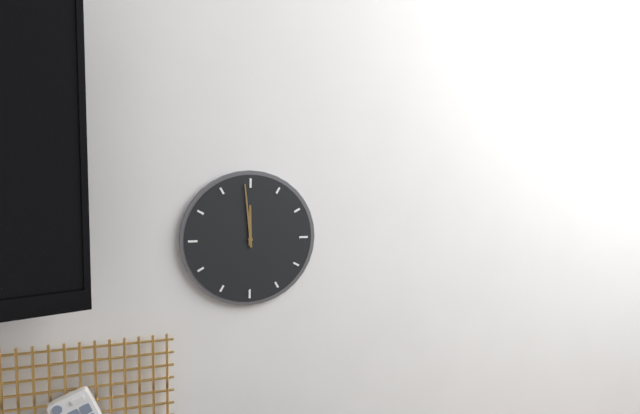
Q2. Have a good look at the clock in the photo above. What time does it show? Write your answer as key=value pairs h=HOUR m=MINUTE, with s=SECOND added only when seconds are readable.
h=11 m=59
